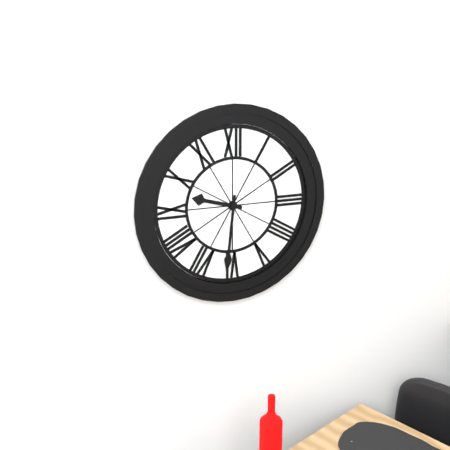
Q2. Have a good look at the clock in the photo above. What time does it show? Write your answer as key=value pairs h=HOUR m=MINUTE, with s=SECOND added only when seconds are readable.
h=9 m=31
